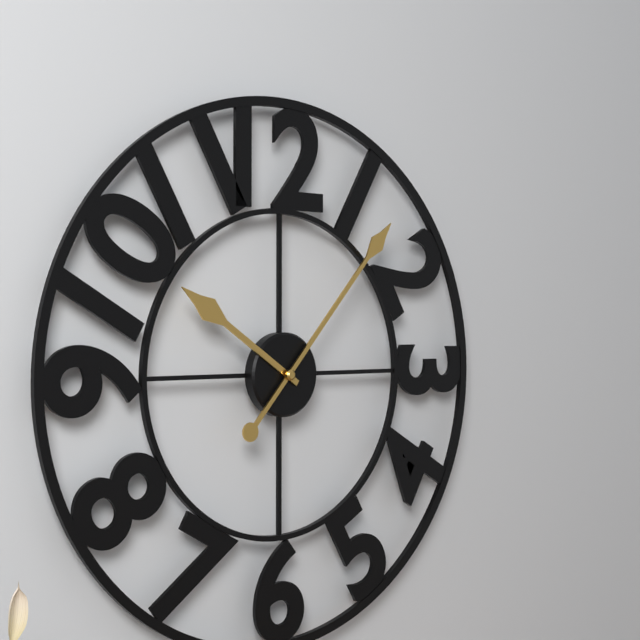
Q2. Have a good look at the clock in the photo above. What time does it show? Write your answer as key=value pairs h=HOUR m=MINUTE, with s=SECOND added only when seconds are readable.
h=10 m=7
